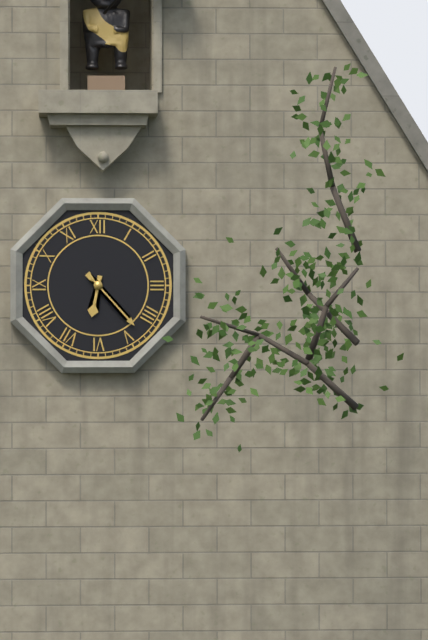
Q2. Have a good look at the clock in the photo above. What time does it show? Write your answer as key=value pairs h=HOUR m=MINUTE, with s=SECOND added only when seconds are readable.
h=6 m=23
